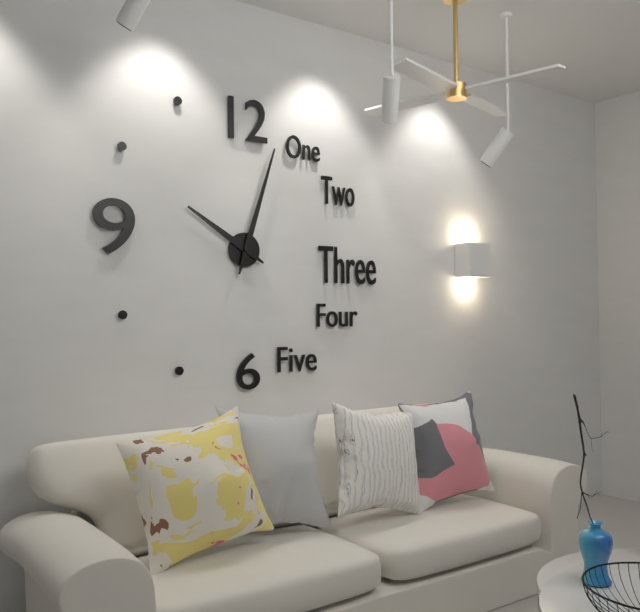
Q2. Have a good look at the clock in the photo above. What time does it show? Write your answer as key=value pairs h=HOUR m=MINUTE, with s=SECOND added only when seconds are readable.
h=10 m=3
